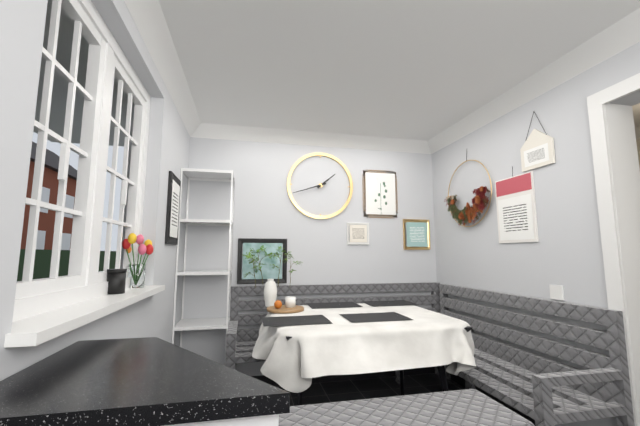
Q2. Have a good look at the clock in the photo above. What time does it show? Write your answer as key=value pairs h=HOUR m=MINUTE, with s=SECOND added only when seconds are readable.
h=1 m=42
